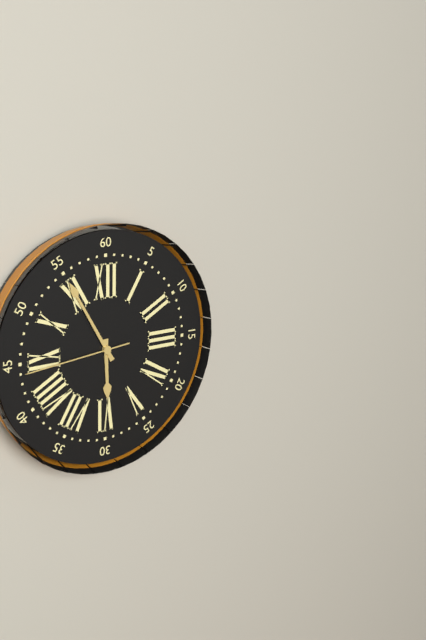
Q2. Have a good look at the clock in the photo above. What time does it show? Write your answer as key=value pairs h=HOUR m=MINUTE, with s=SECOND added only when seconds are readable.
h=5 m=55 s=44
